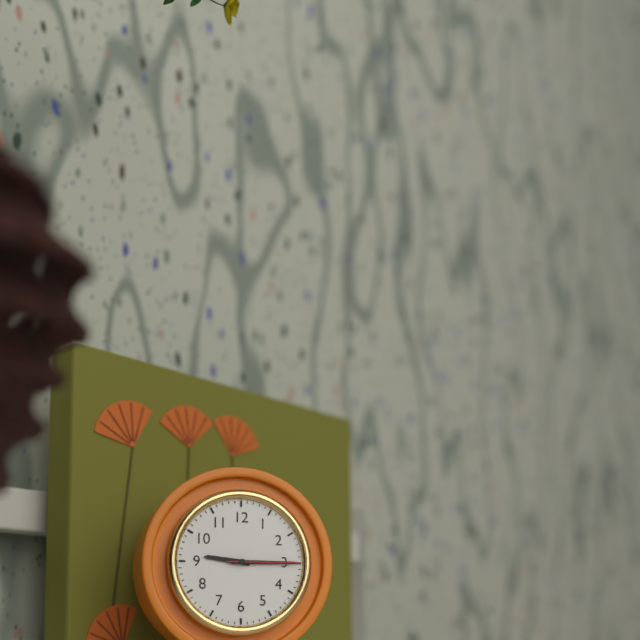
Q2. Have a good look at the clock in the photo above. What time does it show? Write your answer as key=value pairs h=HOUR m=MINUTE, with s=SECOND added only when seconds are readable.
h=9 m=15 s=15
